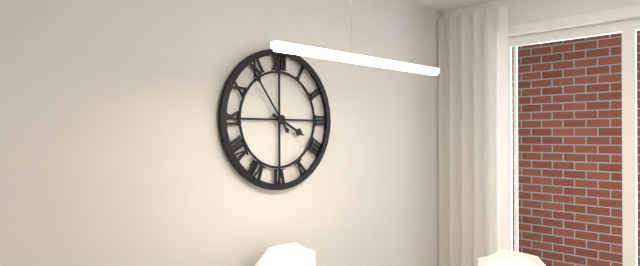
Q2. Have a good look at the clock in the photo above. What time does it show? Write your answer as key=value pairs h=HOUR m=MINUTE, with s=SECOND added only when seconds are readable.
h=3 m=54
